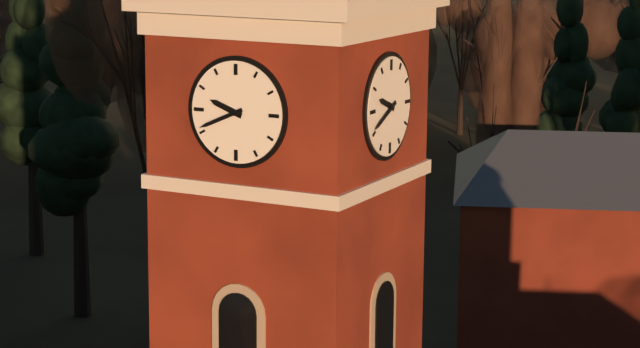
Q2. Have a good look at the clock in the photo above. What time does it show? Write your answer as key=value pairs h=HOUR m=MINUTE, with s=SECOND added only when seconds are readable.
h=9 m=41
